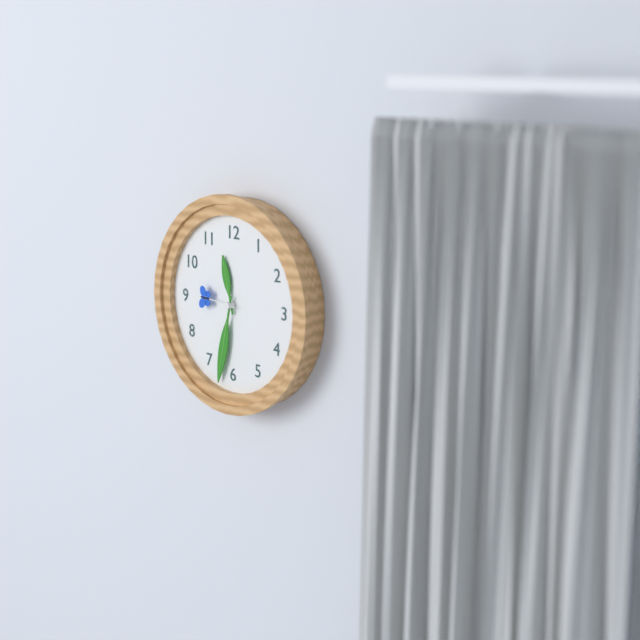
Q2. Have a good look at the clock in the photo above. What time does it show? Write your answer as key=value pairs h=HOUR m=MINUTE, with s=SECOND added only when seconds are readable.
h=11 m=32
